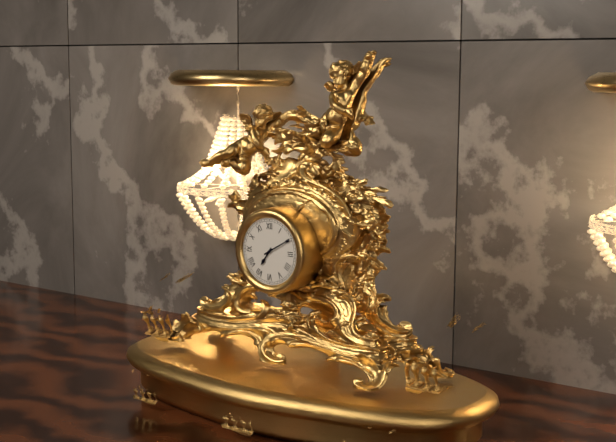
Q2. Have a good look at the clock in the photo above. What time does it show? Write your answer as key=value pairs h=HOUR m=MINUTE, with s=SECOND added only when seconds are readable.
h=7 m=10
